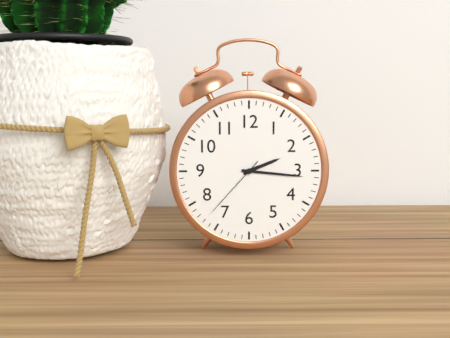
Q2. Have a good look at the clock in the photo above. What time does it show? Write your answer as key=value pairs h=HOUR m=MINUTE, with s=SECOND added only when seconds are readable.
h=2 m=16 s=37
